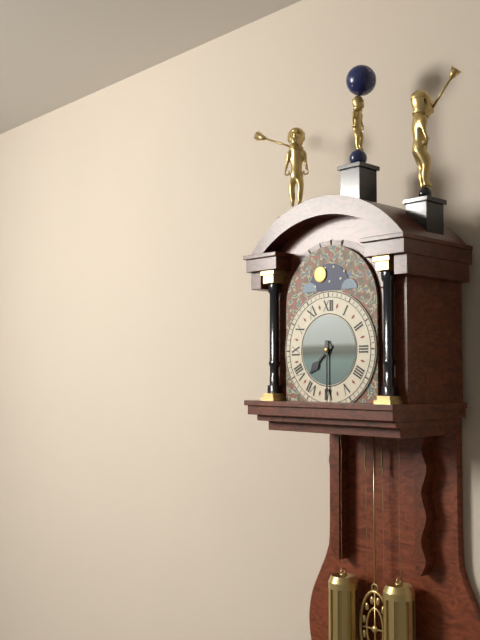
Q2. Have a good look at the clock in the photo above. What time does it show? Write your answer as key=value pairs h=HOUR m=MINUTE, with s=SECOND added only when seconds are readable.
h=7 m=30
